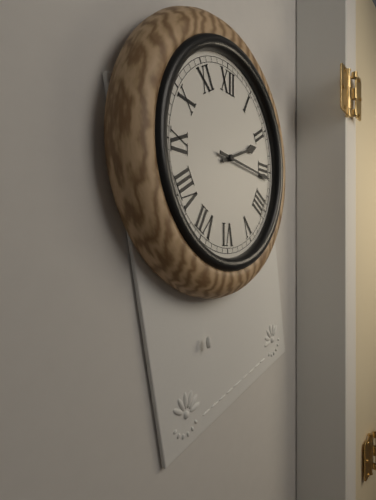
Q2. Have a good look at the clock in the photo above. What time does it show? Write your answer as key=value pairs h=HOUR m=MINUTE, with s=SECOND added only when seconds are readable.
h=2 m=16
